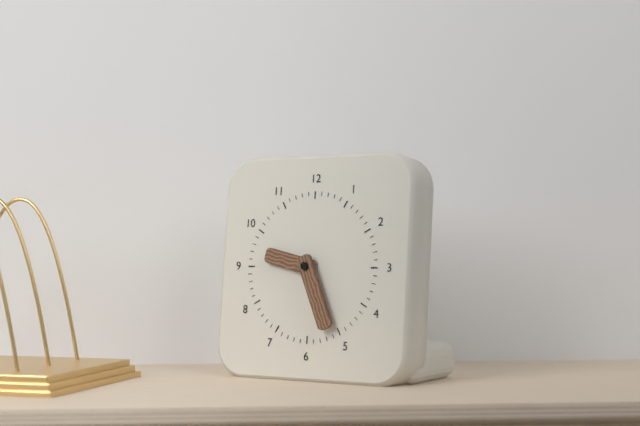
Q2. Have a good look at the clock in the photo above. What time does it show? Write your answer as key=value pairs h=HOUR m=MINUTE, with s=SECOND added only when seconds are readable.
h=9 m=26
